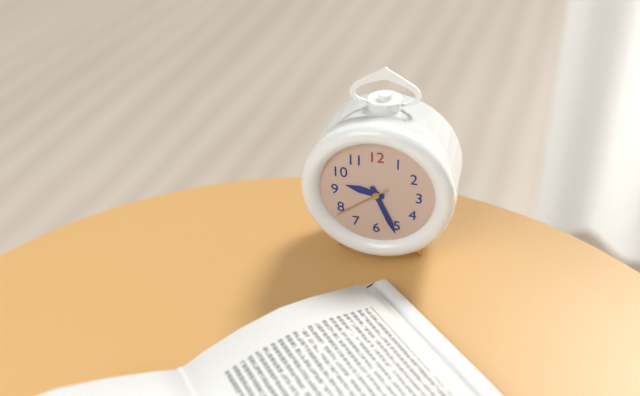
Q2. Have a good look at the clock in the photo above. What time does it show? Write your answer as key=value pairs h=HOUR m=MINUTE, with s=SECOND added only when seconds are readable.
h=9 m=26 s=39
